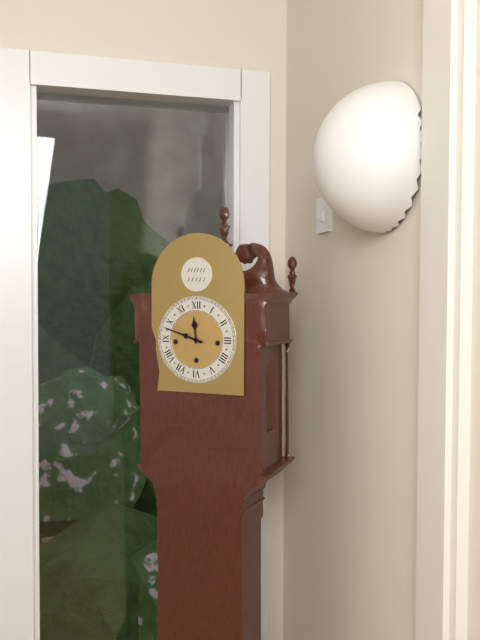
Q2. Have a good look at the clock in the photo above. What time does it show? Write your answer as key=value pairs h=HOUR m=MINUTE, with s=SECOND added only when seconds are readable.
h=11 m=48
